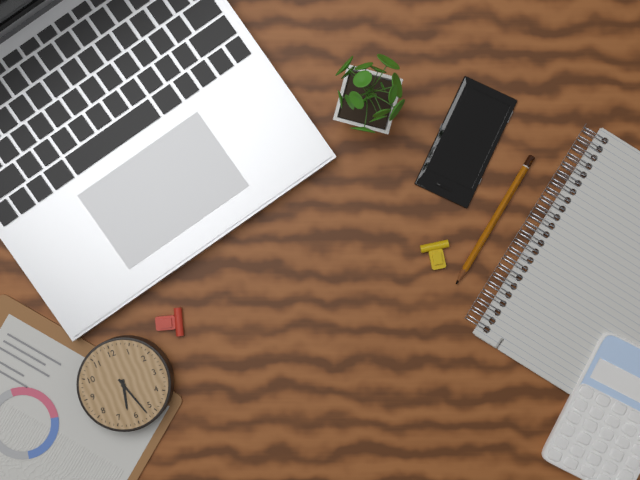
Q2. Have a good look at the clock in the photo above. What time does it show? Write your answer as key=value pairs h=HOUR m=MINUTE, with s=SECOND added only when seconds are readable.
h=6 m=27
